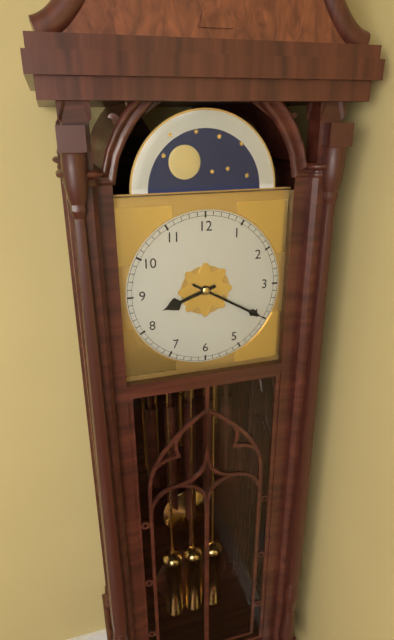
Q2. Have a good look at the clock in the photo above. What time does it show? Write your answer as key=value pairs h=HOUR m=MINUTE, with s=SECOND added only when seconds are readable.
h=8 m=20
